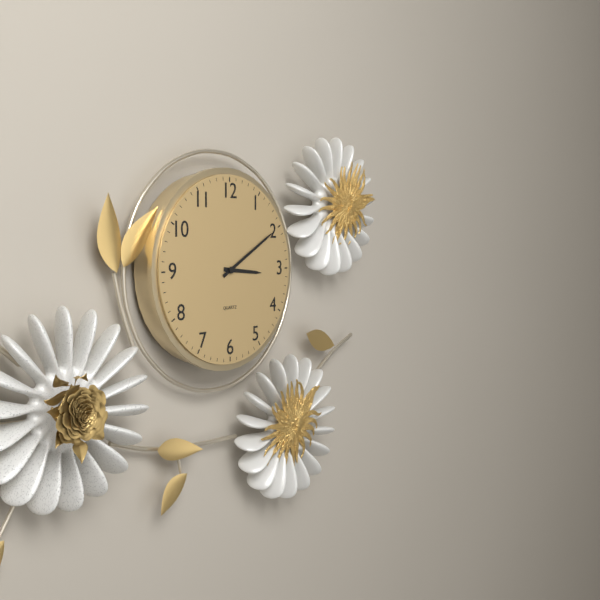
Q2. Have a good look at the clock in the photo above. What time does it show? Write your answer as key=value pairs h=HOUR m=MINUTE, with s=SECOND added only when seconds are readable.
h=3 m=10
